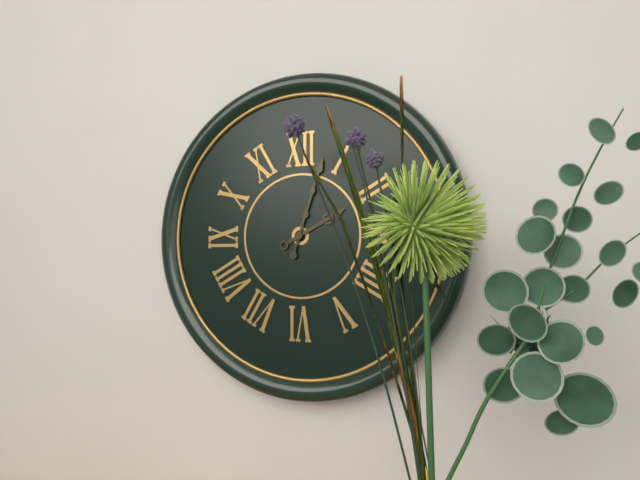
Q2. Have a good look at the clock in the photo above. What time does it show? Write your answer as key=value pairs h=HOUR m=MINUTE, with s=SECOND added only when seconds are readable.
h=2 m=3
